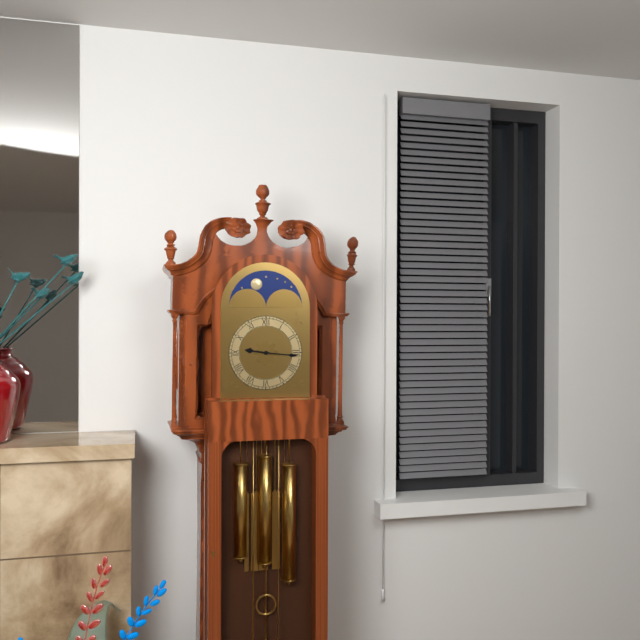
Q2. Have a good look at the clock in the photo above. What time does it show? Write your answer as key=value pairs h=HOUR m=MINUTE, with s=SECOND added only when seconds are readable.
h=9 m=16
